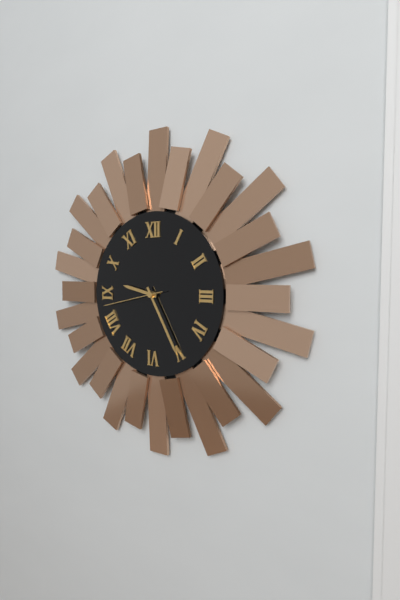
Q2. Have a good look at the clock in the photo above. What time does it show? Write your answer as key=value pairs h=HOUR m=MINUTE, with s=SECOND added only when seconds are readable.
h=9 m=25 s=43
